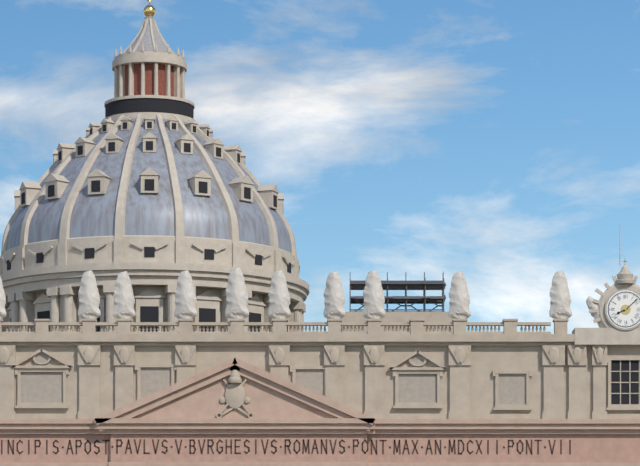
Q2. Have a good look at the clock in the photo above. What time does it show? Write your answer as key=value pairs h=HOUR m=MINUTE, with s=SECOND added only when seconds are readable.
h=8 m=8
